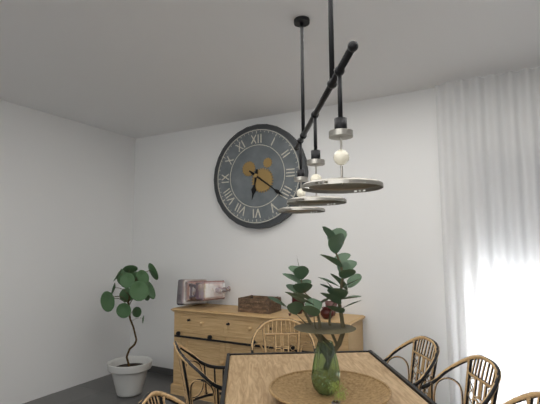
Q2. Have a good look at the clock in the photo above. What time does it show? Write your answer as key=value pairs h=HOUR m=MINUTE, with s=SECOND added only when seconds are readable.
h=6 m=21
